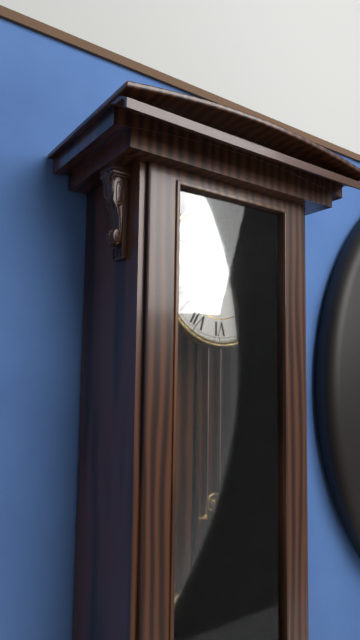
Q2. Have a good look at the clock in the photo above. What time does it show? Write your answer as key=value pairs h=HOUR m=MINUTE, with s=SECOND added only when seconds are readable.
h=1 m=19
